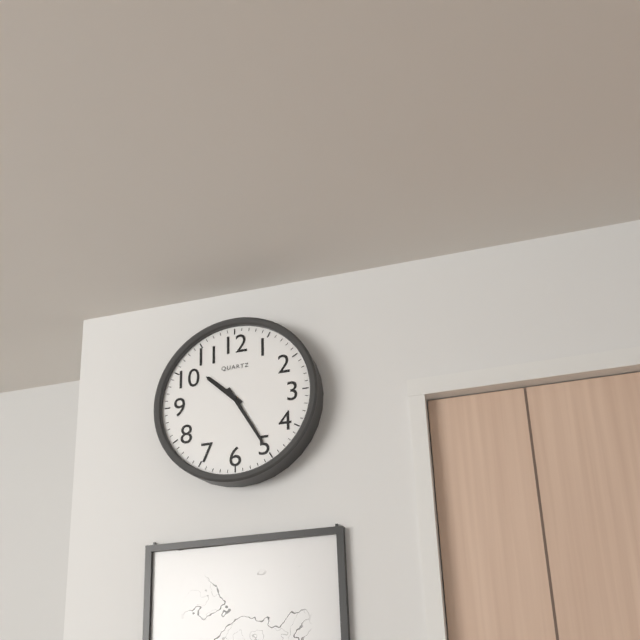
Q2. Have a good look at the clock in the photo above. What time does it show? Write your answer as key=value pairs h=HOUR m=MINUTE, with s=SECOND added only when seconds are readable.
h=10 m=25
